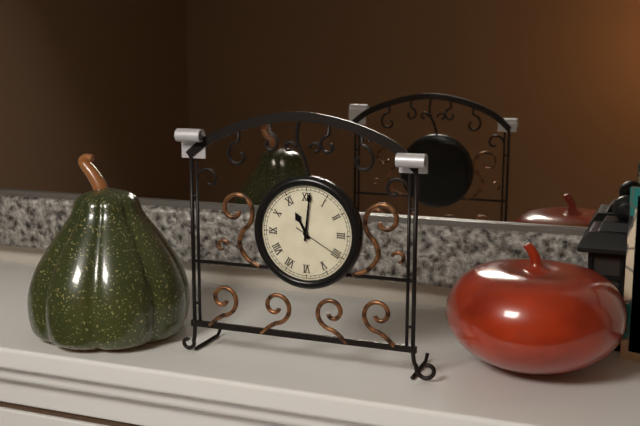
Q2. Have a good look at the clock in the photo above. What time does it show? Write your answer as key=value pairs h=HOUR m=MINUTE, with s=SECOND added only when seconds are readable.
h=11 m=1 s=20
